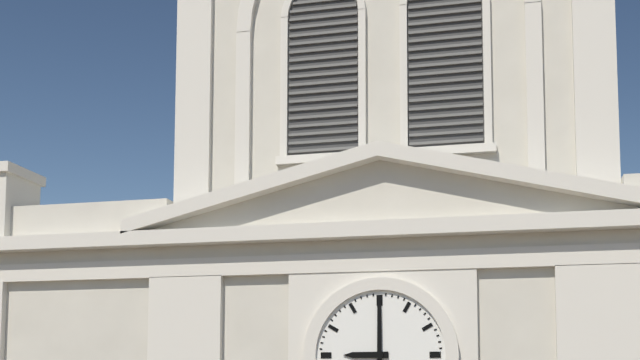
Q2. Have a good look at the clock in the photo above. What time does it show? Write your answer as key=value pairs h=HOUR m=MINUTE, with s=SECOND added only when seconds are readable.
h=9 m=0
